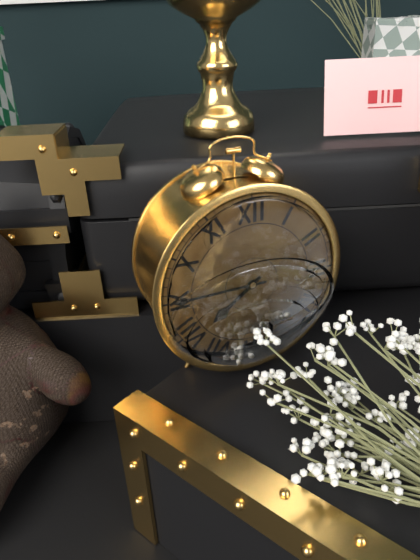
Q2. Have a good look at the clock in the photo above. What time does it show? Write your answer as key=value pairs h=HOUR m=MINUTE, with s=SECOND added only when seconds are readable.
h=7 m=45
